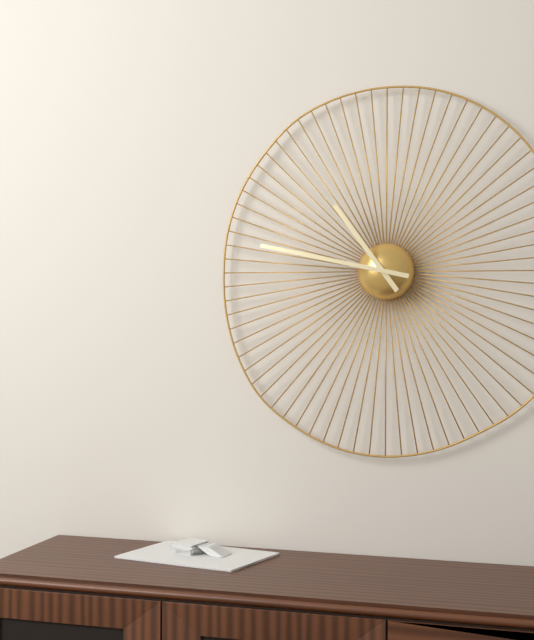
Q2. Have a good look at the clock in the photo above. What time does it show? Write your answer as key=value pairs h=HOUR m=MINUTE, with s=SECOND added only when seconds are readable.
h=10 m=47
